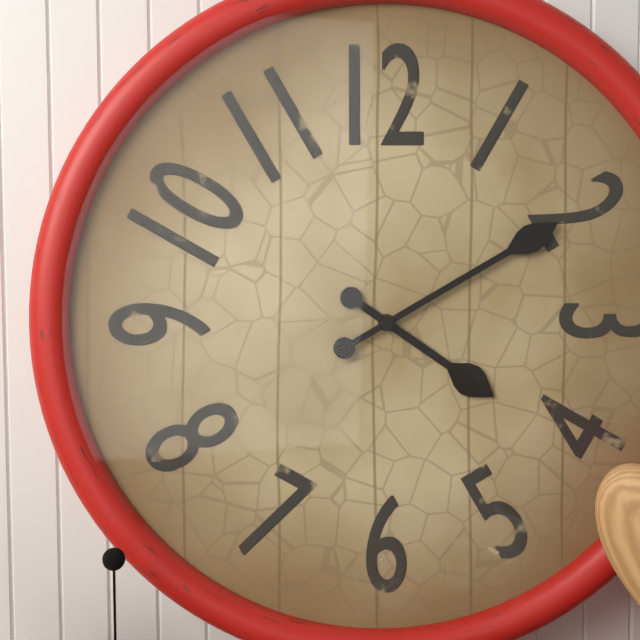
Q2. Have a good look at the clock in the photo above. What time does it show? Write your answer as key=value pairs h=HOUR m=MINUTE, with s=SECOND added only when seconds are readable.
h=4 m=10
